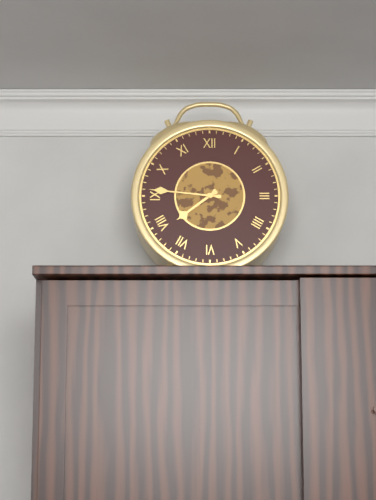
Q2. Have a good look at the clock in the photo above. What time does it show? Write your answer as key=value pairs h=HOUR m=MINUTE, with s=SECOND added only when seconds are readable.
h=7 m=46
